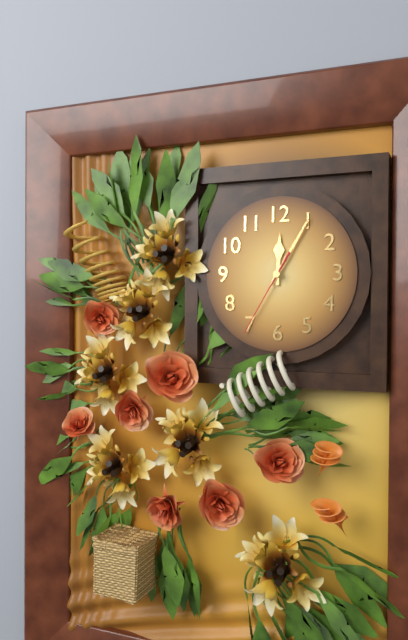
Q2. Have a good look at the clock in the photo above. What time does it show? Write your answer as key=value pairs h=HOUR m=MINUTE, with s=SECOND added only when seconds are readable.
h=12 m=5 s=35
